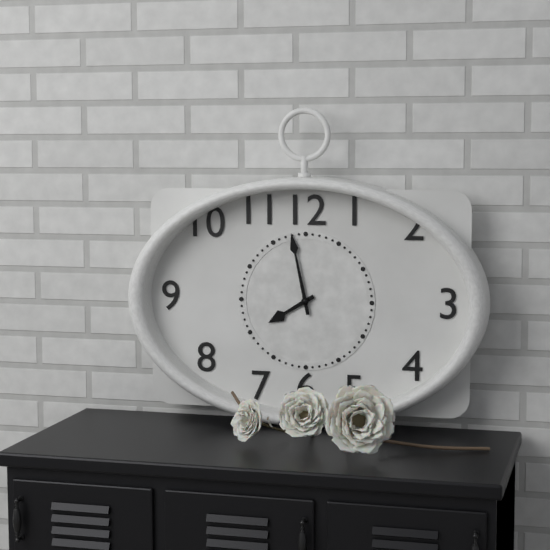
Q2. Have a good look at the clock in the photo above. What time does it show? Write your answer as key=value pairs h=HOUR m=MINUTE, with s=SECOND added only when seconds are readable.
h=7 m=58
